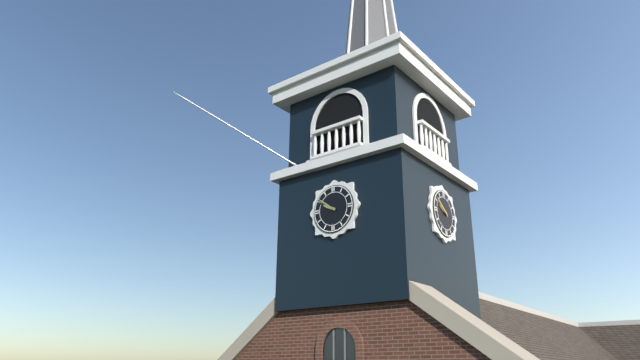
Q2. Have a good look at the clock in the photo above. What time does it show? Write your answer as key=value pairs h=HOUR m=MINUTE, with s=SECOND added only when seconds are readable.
h=9 m=51
